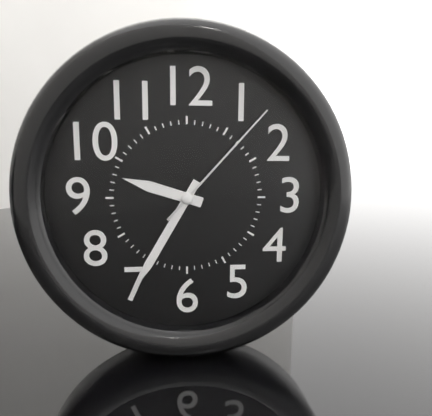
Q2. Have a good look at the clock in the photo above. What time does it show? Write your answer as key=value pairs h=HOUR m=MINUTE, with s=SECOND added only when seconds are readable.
h=9 m=35 s=7
